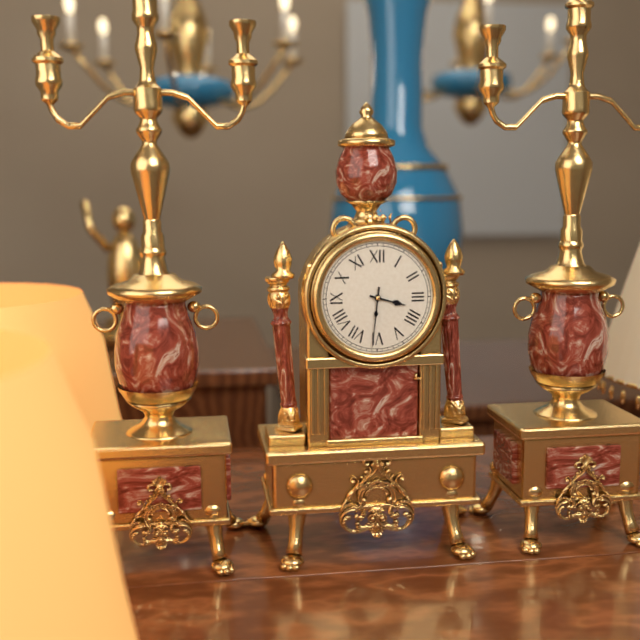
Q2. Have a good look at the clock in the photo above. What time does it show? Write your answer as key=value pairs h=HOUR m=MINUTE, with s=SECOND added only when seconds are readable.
h=3 m=31
